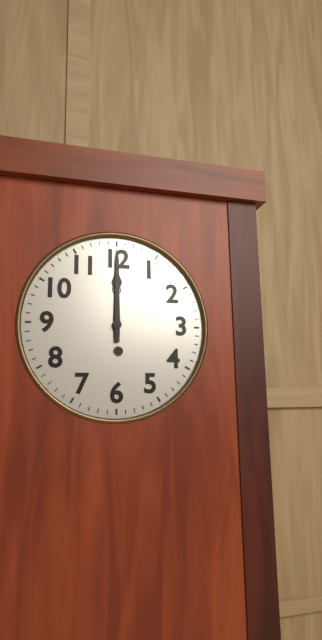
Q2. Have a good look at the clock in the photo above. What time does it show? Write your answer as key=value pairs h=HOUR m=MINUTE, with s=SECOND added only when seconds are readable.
h=12 m=0
